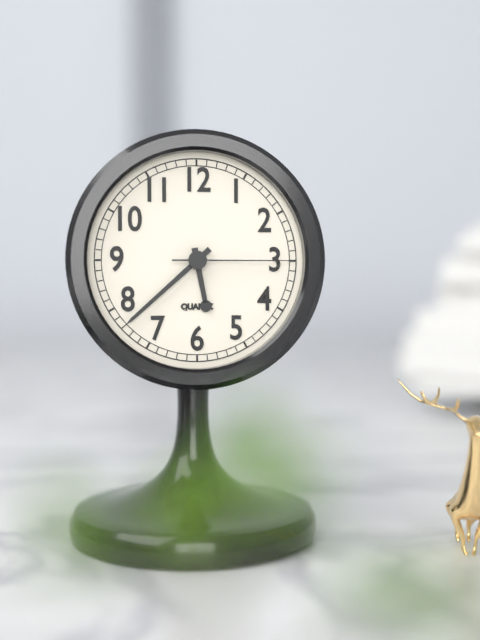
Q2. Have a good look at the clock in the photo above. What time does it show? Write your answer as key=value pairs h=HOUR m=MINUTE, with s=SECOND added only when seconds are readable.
h=5 m=38 s=15
